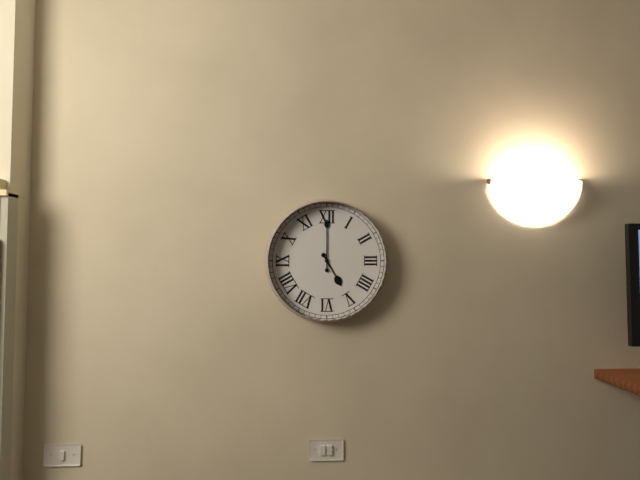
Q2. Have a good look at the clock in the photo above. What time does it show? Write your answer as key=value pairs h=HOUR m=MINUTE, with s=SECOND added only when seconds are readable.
h=5 m=0
